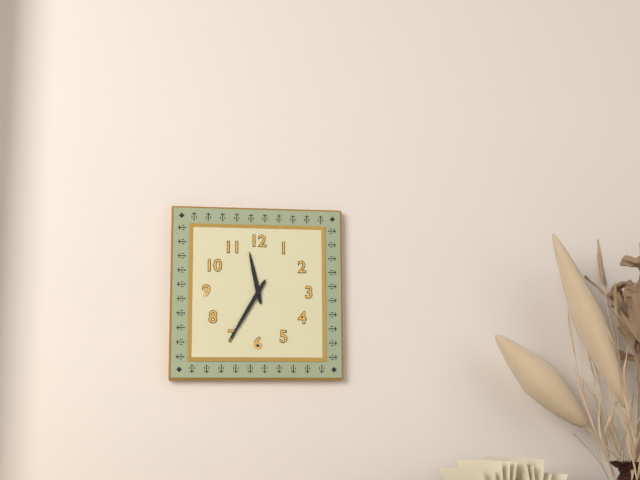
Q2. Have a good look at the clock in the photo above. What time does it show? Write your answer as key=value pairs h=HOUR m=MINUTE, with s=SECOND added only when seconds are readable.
h=11 m=35
